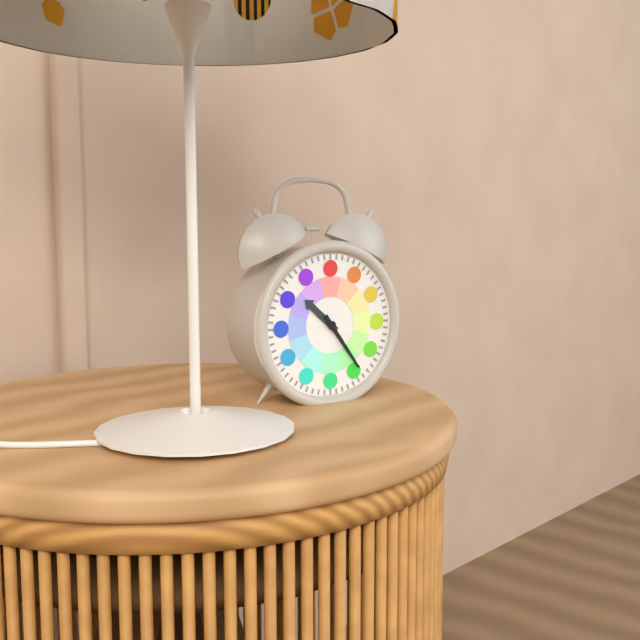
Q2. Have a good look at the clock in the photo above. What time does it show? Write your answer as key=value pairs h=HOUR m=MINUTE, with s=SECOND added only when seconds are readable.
h=10 m=24
